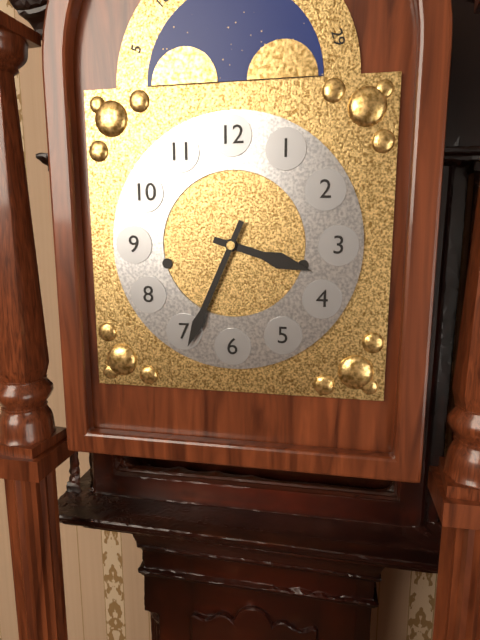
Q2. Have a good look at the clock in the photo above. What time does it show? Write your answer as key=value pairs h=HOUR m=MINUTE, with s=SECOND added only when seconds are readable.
h=3 m=34
